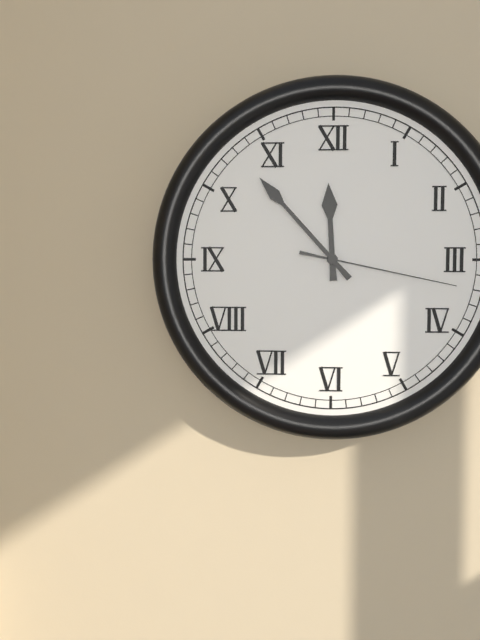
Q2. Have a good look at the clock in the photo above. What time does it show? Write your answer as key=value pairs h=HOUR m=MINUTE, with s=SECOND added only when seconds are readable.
h=11 m=53 s=17
